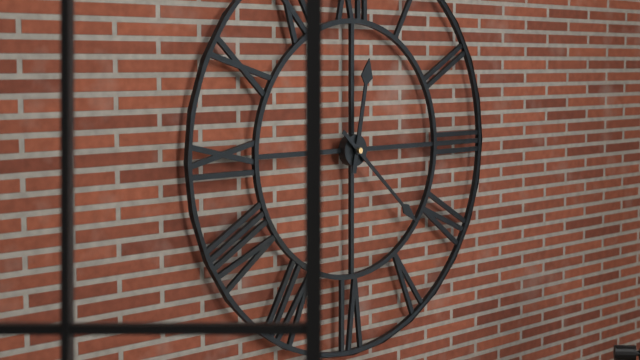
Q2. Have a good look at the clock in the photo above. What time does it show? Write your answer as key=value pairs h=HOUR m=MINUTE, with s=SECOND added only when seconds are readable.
h=12 m=22
